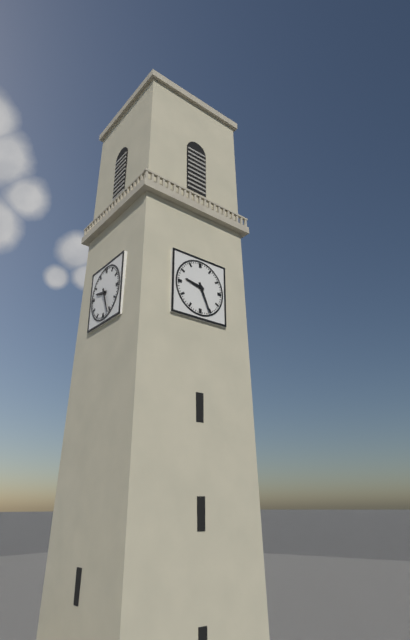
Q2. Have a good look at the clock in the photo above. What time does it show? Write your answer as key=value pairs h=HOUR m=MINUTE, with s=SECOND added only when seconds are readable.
h=9 m=26
